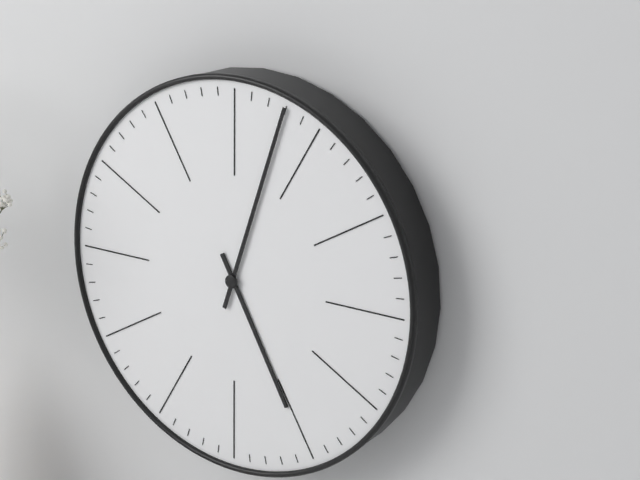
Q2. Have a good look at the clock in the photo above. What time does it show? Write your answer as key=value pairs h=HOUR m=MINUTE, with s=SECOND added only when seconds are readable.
h=5 m=3
